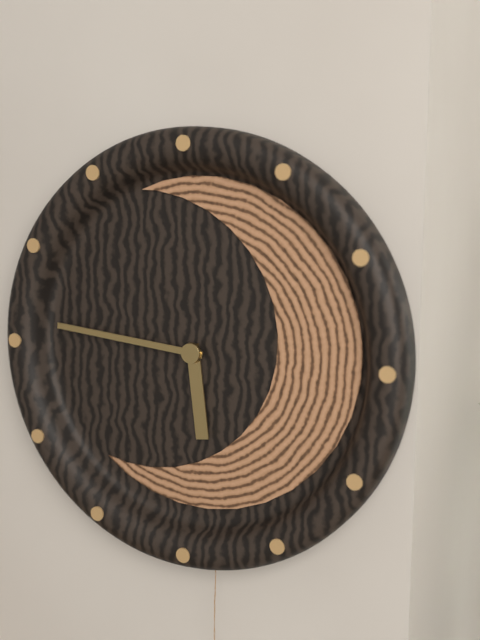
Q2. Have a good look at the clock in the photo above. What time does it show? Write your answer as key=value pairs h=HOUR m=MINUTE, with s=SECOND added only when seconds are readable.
h=5 m=46
